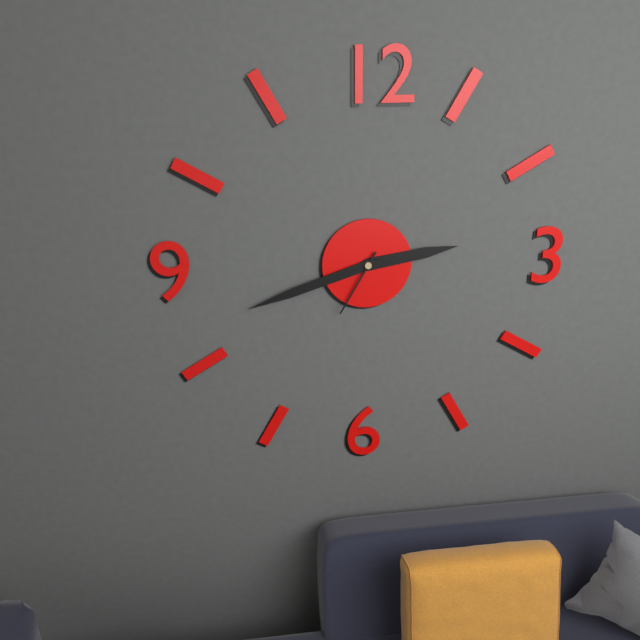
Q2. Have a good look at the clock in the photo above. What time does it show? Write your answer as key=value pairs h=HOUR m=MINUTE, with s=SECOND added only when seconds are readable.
h=2 m=42 s=35
